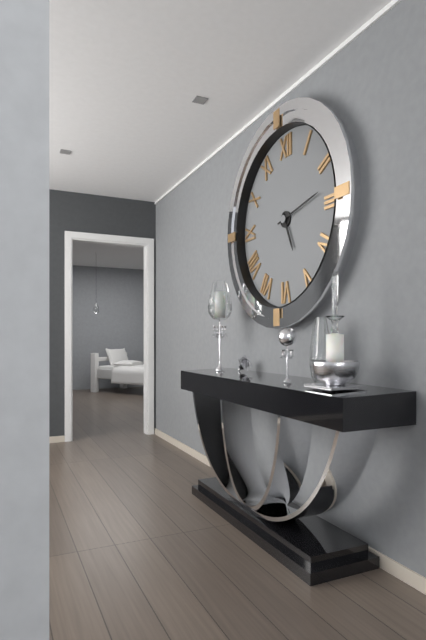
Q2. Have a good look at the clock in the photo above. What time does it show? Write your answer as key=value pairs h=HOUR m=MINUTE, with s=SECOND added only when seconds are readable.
h=5 m=13
